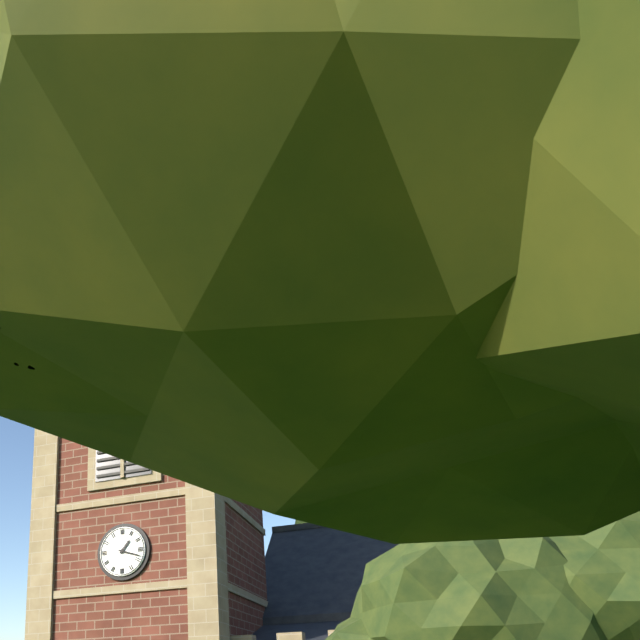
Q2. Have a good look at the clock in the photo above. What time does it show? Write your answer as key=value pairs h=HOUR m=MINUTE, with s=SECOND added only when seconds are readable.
h=1 m=18
